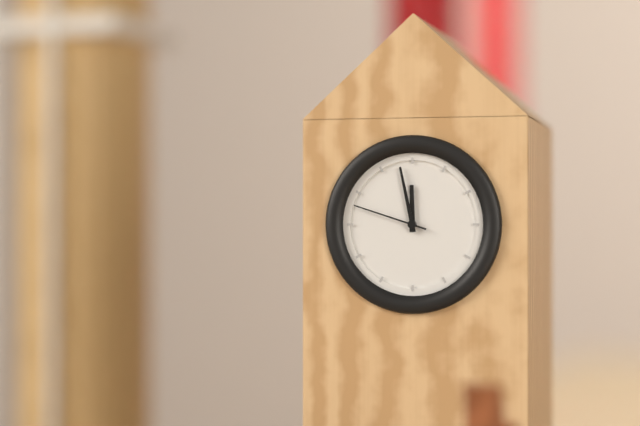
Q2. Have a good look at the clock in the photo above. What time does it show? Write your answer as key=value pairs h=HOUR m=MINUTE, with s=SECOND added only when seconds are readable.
h=11 m=58 s=48
